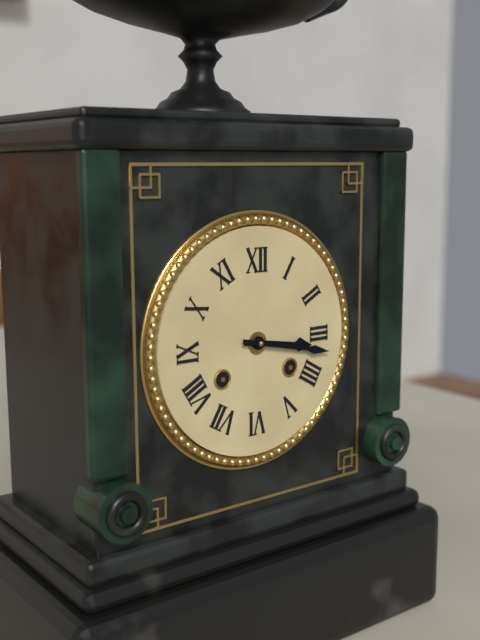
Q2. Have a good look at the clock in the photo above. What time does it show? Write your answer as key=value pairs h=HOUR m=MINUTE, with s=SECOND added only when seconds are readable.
h=3 m=17
